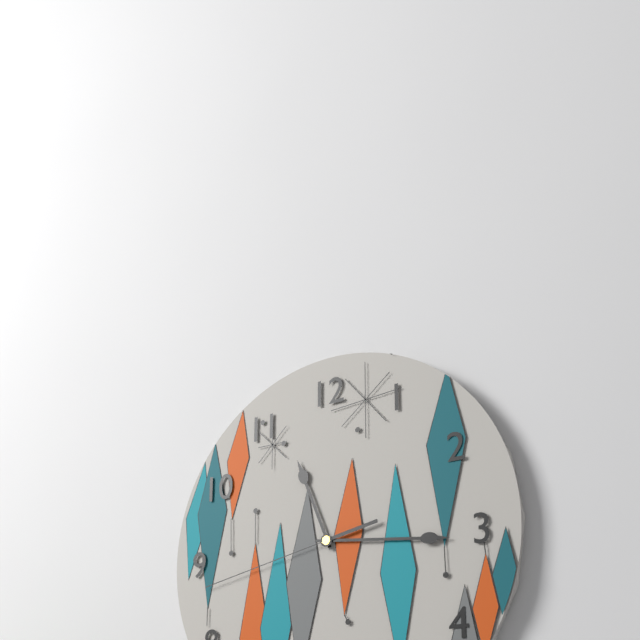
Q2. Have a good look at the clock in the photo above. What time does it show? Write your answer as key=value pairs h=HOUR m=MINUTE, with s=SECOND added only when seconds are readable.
h=11 m=16 s=43
